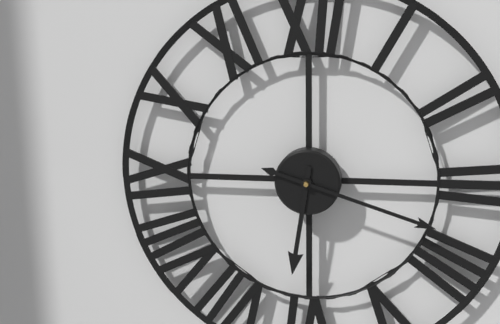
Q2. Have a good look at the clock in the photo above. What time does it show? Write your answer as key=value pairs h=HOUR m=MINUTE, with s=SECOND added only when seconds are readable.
h=6 m=18
